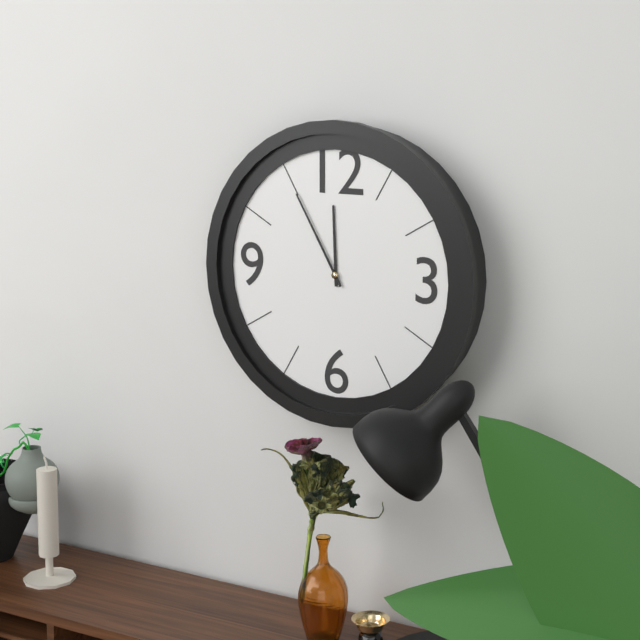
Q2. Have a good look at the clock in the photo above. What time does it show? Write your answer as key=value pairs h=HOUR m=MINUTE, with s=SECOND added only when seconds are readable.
h=11 m=55
